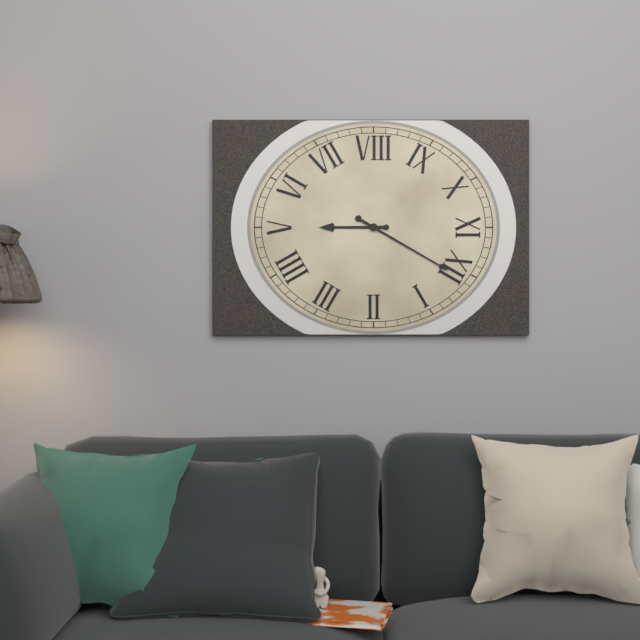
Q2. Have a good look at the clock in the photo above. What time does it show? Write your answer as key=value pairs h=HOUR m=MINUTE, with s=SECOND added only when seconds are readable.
h=5 m=0
